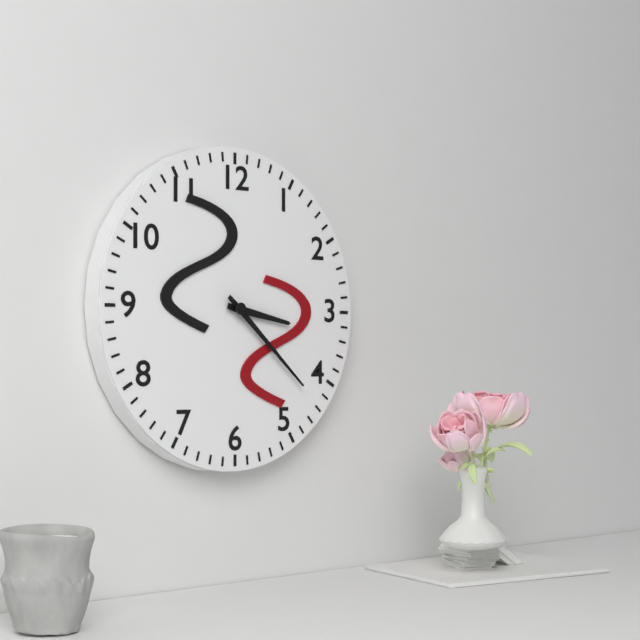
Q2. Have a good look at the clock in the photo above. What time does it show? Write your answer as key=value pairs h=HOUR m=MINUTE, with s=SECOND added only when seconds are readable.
h=3 m=22
